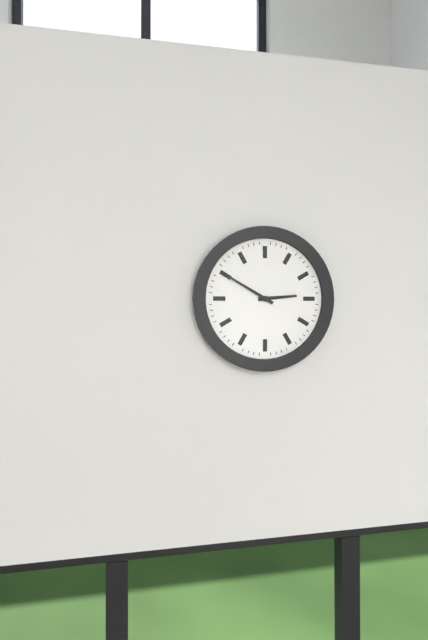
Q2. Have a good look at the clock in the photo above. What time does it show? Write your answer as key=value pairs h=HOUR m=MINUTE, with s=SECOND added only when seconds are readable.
h=2 m=50
